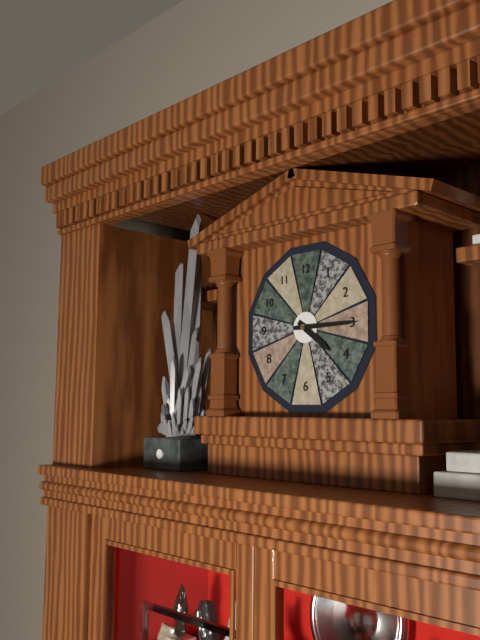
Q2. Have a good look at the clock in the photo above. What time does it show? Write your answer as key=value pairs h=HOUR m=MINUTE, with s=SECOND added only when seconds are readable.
h=4 m=15
